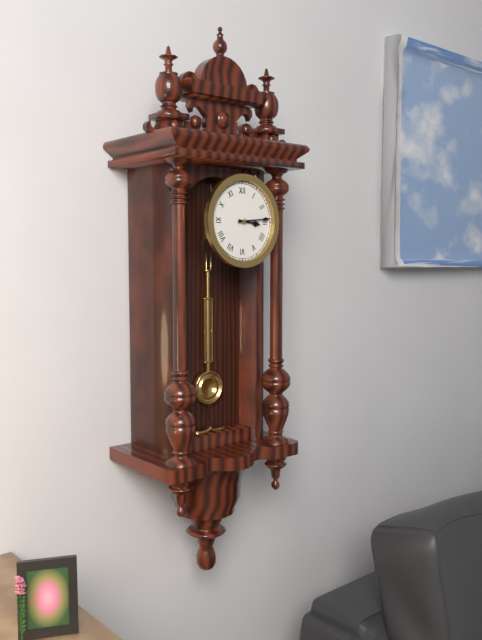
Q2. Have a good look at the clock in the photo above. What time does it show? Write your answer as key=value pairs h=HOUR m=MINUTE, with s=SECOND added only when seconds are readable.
h=3 m=14
